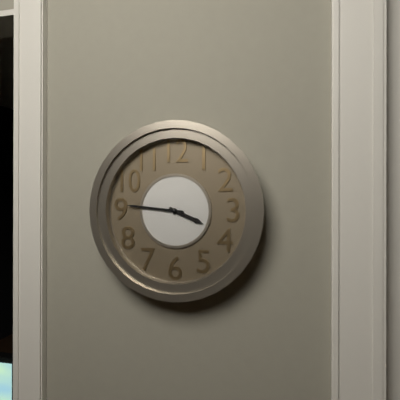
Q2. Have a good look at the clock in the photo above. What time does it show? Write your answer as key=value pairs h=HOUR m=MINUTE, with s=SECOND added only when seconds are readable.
h=3 m=46
